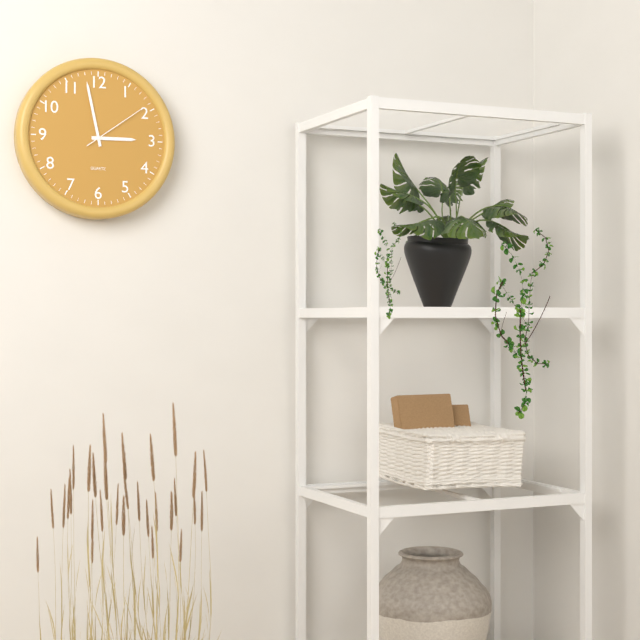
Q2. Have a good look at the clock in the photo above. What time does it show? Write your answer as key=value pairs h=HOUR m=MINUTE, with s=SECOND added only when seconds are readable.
h=2 m=58 s=9
